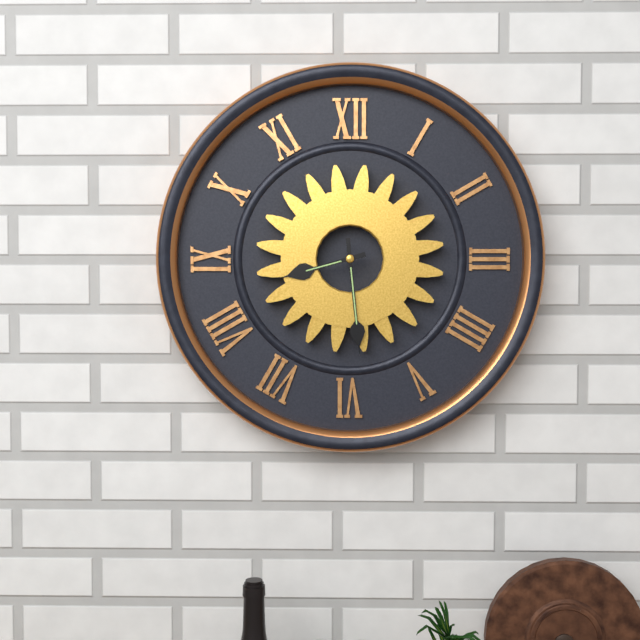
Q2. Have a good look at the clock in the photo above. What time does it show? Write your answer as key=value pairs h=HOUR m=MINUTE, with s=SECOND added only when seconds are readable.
h=8 m=29
